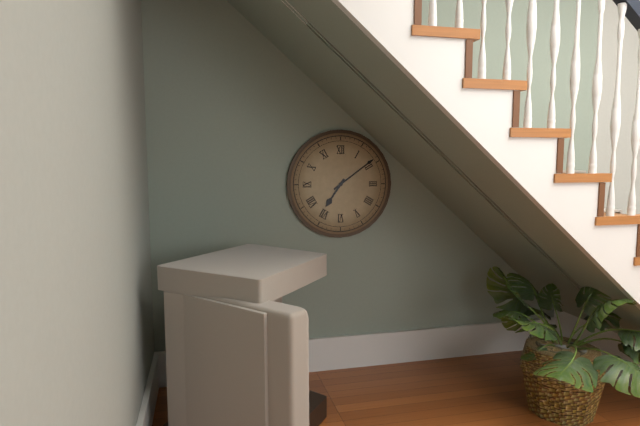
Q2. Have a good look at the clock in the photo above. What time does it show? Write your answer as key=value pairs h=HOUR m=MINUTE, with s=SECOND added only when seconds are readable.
h=7 m=9
